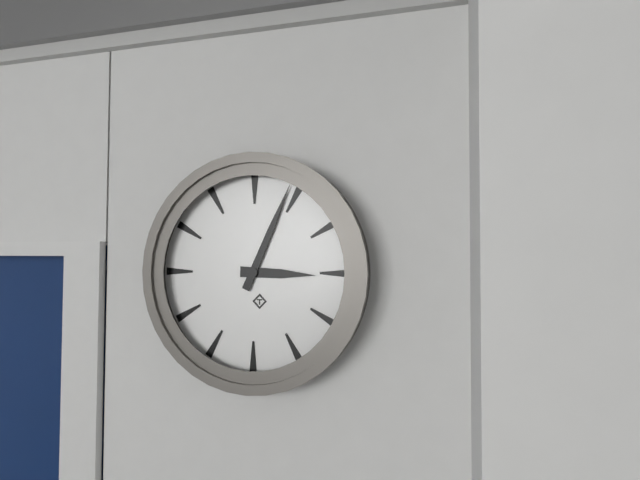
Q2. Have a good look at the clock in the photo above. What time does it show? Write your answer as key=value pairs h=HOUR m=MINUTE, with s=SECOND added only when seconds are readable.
h=3 m=4
